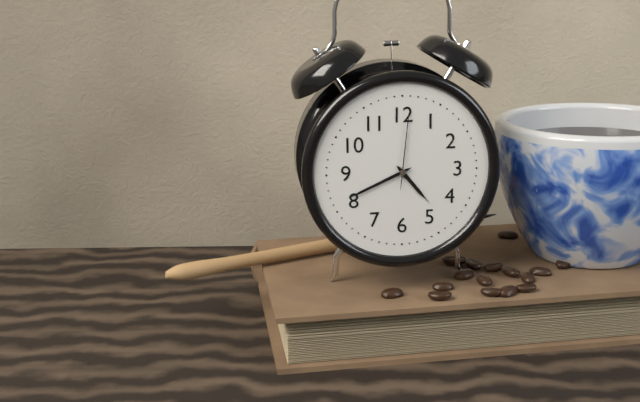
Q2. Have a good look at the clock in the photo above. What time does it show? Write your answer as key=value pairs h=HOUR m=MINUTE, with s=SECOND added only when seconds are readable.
h=4 m=41 s=1
